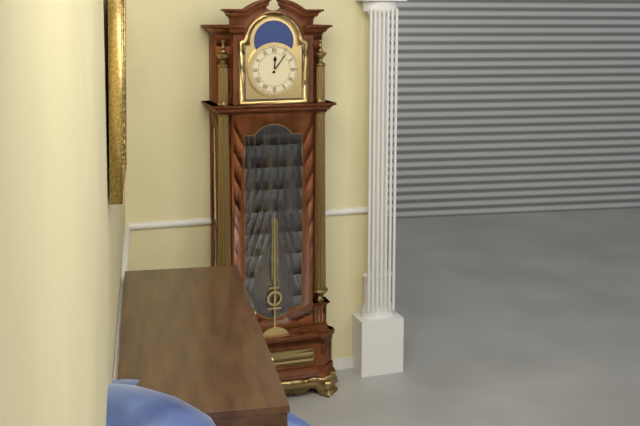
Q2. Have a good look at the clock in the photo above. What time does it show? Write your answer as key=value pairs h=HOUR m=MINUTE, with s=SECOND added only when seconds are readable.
h=12 m=6
